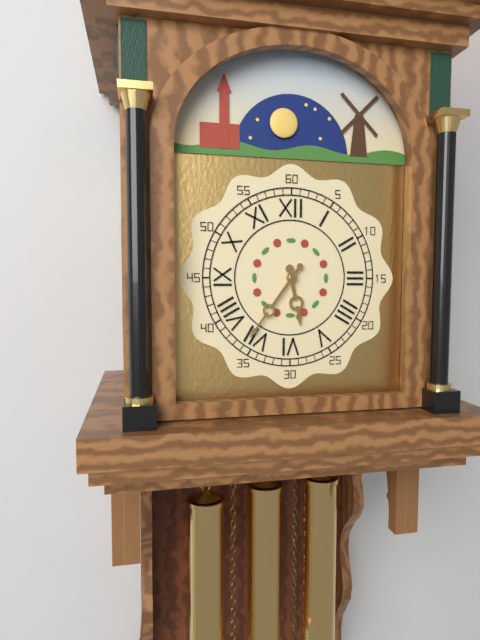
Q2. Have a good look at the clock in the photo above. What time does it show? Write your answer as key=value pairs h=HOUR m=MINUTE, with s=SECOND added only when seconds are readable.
h=5 m=36
